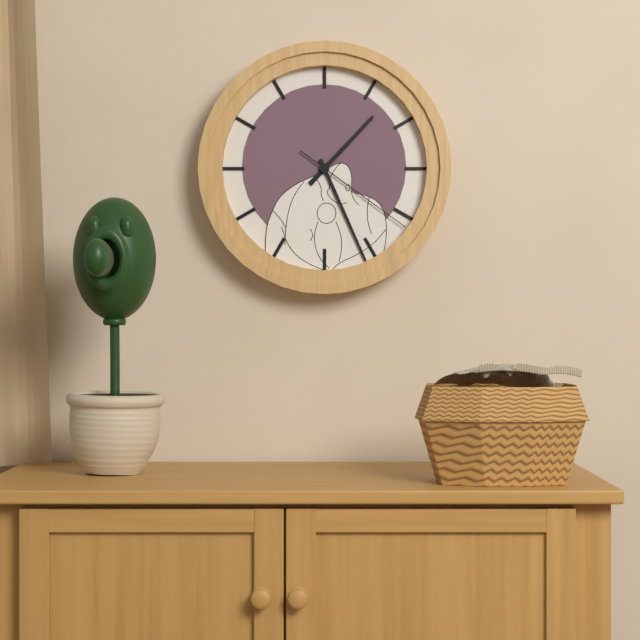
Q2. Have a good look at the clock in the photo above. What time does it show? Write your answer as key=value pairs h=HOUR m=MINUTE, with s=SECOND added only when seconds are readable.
h=1 m=26 s=21
